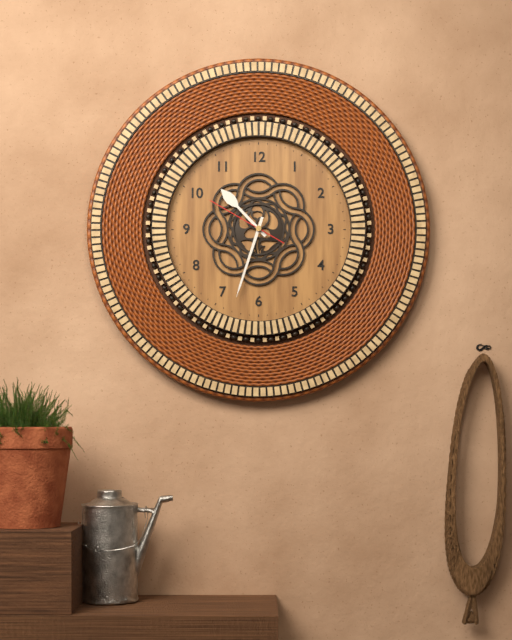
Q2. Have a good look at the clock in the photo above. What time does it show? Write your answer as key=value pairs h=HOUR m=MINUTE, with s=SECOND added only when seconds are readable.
h=10 m=33 s=50
